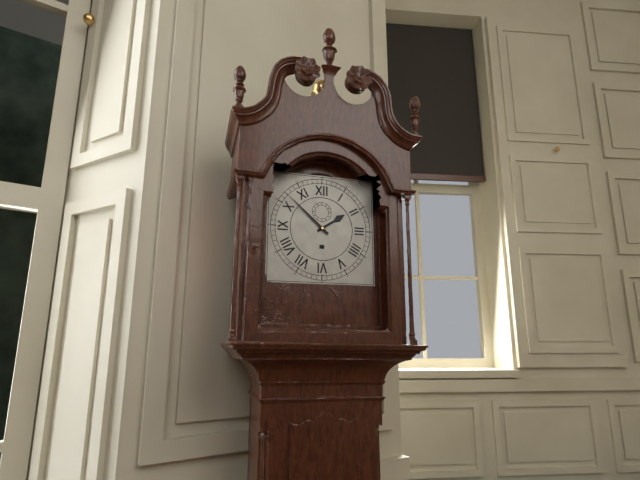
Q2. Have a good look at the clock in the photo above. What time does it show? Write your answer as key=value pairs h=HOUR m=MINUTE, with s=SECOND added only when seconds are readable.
h=1 m=52
